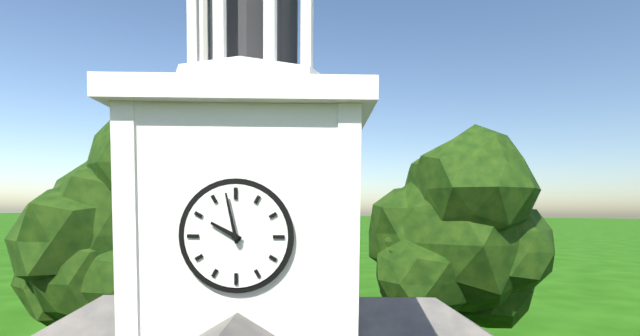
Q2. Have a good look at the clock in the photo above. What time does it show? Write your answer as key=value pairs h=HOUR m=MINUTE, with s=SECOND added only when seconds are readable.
h=9 m=58
